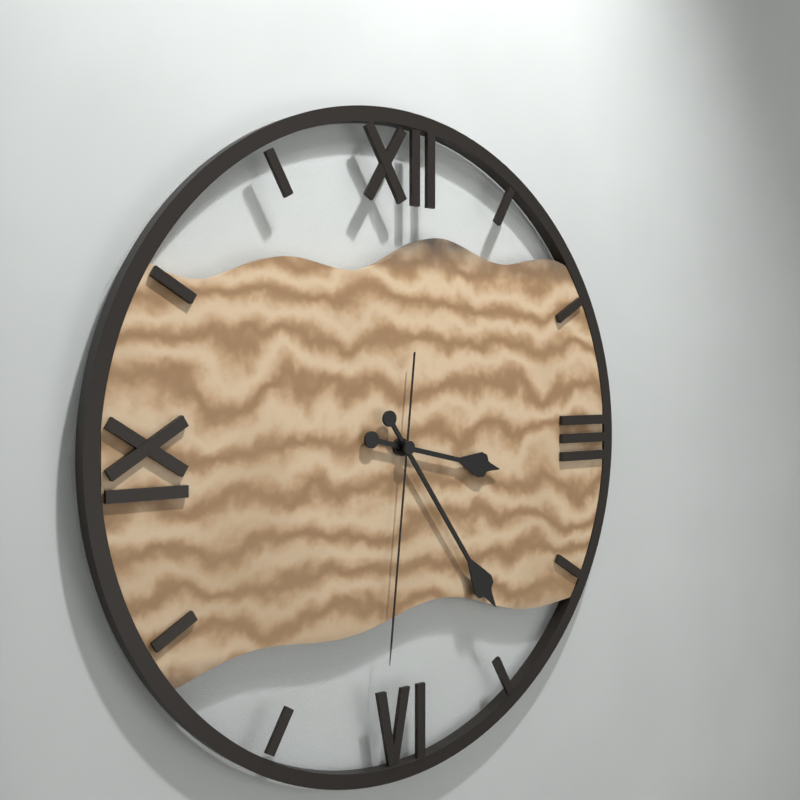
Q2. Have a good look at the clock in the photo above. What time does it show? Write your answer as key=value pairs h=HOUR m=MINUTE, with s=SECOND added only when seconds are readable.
h=3 m=24 s=31
